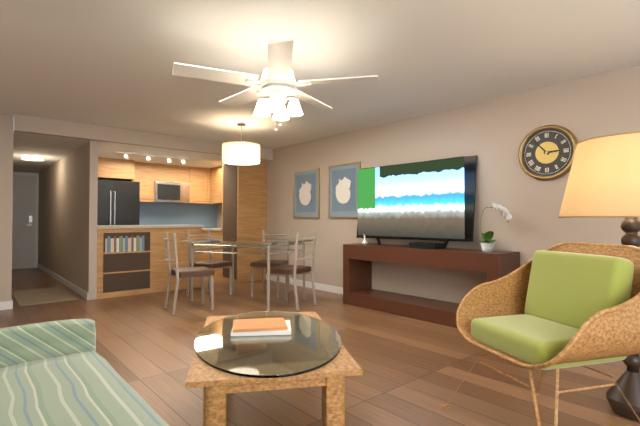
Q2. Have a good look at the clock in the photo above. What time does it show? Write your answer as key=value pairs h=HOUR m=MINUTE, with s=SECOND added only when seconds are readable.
h=2 m=53
